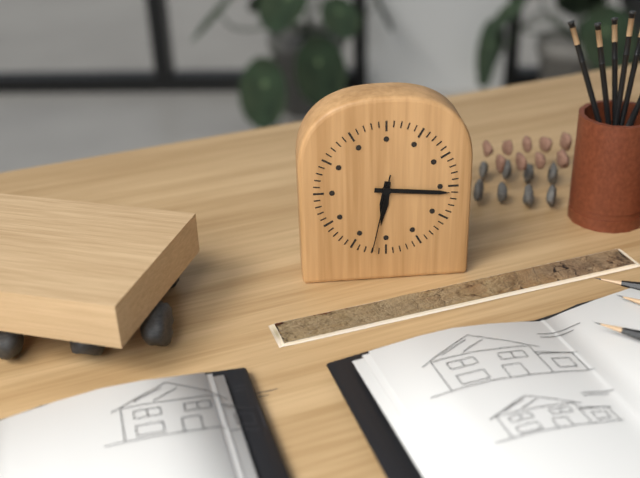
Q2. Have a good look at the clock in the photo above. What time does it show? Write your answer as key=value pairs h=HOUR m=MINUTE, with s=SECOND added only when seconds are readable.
h=6 m=16 s=32
